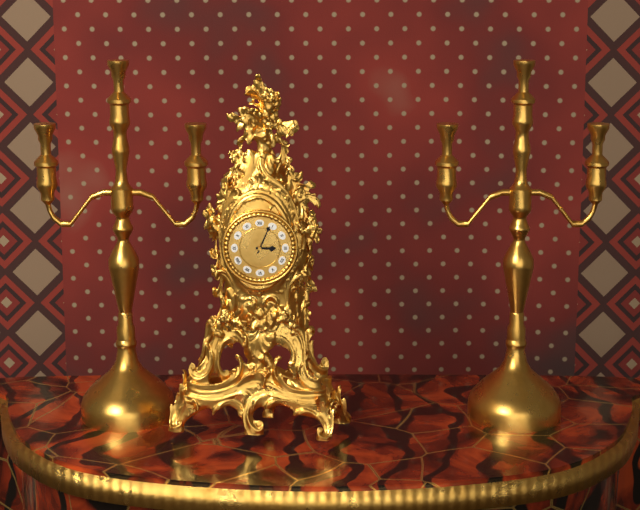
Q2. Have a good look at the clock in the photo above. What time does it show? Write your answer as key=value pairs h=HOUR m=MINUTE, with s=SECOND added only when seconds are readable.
h=3 m=4
